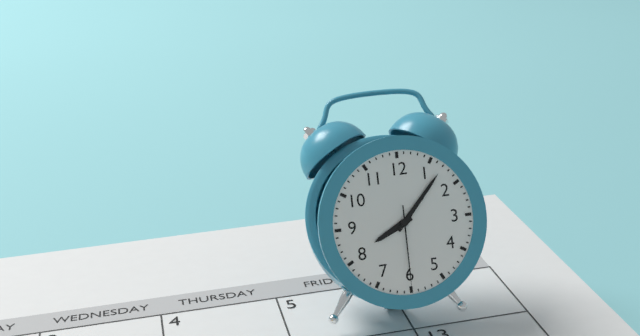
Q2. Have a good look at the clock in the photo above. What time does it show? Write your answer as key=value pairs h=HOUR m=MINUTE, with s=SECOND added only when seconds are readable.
h=8 m=7 s=30
